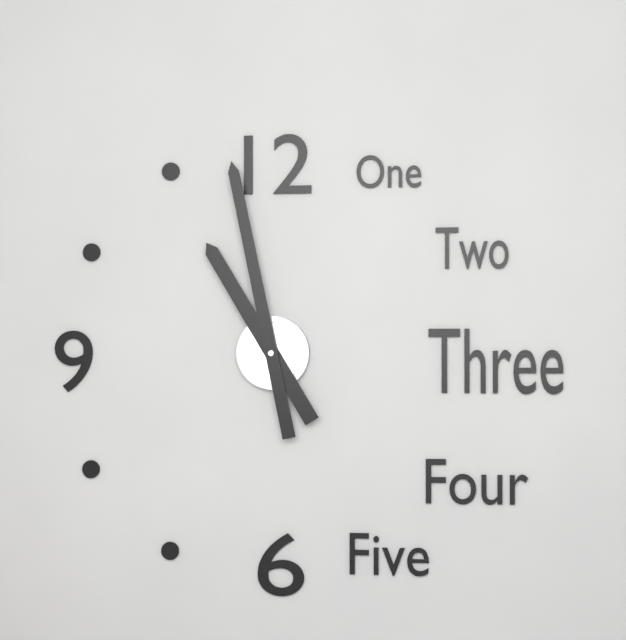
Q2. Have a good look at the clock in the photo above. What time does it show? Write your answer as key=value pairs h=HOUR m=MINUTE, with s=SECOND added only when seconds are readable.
h=10 m=58
